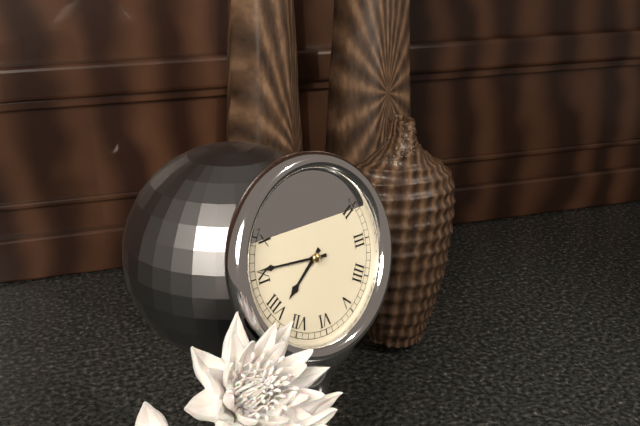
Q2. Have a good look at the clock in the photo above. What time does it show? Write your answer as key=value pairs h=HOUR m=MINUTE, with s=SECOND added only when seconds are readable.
h=7 m=46
